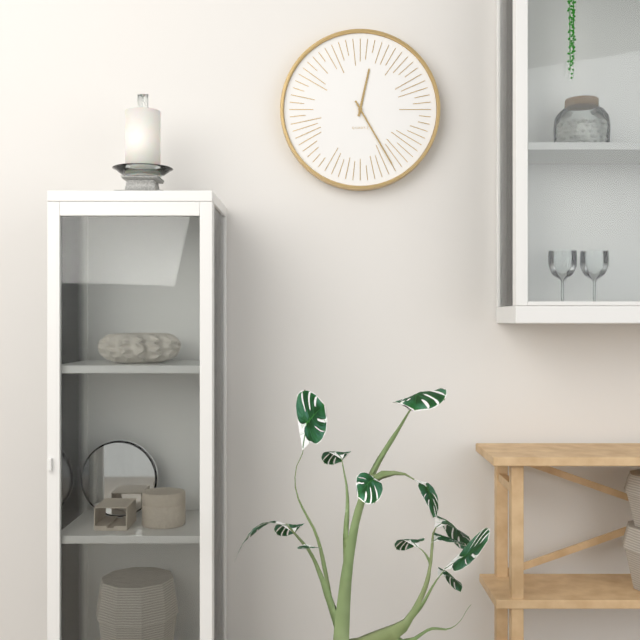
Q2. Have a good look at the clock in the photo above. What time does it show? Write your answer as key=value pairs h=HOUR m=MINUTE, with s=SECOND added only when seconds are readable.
h=12 m=25
